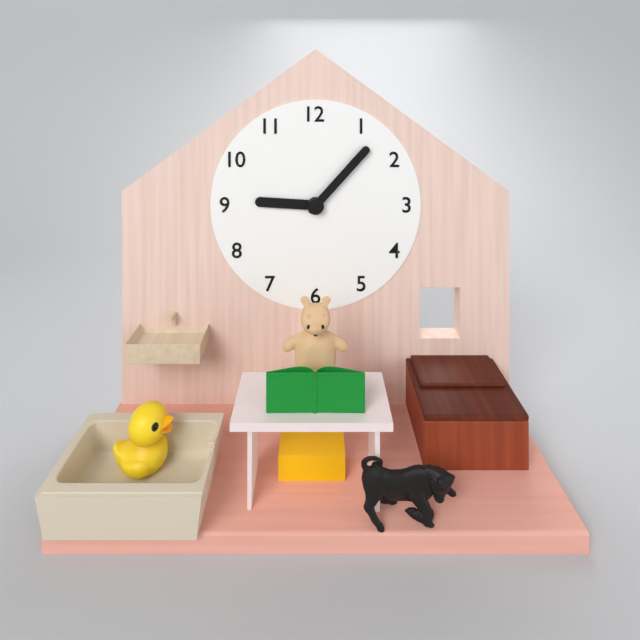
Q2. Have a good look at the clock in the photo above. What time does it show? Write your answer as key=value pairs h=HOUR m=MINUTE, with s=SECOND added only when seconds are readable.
h=9 m=7
